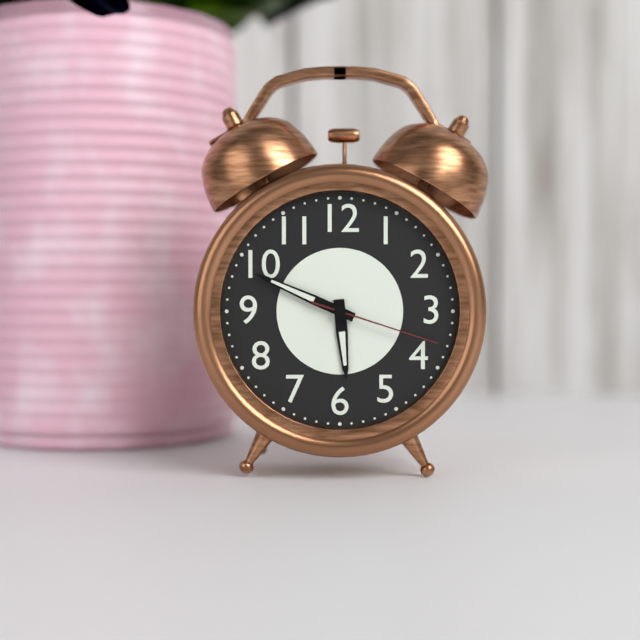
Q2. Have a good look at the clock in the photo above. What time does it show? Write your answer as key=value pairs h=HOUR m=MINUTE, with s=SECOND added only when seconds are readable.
h=5 m=49 s=18
